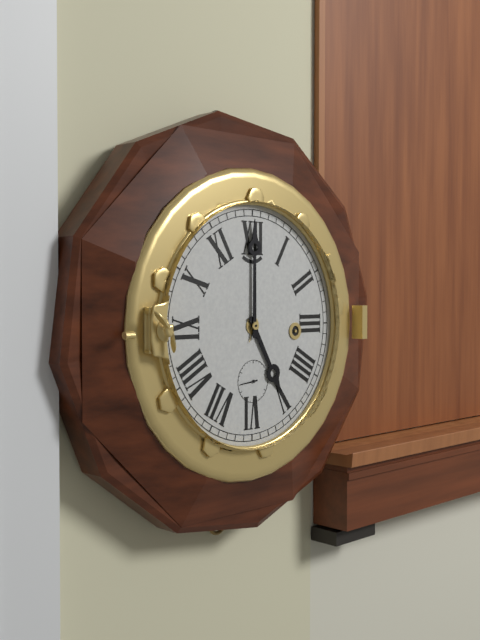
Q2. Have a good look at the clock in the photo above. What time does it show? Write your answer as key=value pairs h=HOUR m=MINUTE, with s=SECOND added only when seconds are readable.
h=5 m=0
